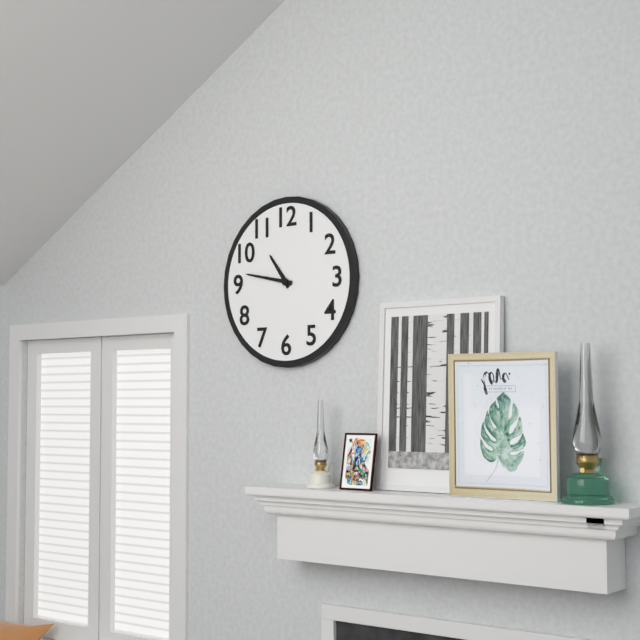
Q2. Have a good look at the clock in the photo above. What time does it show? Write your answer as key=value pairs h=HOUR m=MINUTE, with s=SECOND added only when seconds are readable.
h=10 m=47
